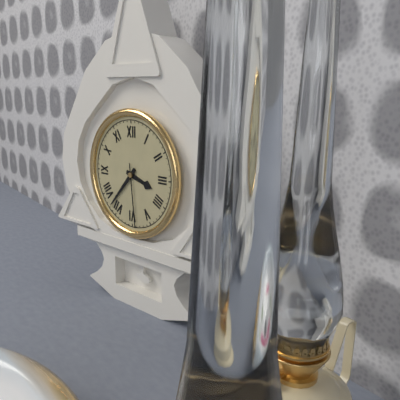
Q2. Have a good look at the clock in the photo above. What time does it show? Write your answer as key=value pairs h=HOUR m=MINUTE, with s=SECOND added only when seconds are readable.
h=3 m=37 s=29
